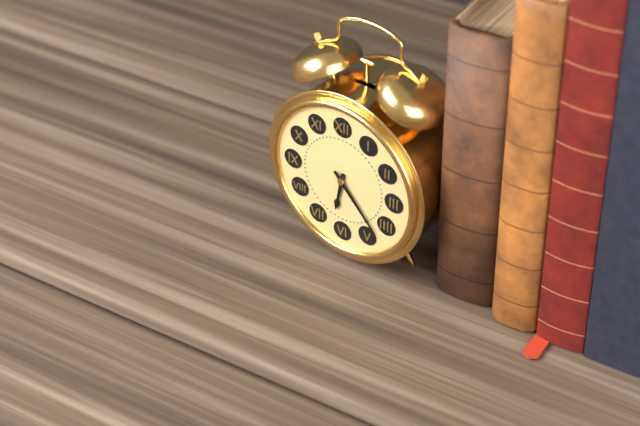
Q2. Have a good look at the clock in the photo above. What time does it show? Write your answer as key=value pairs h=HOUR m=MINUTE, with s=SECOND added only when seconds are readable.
h=6 m=23
